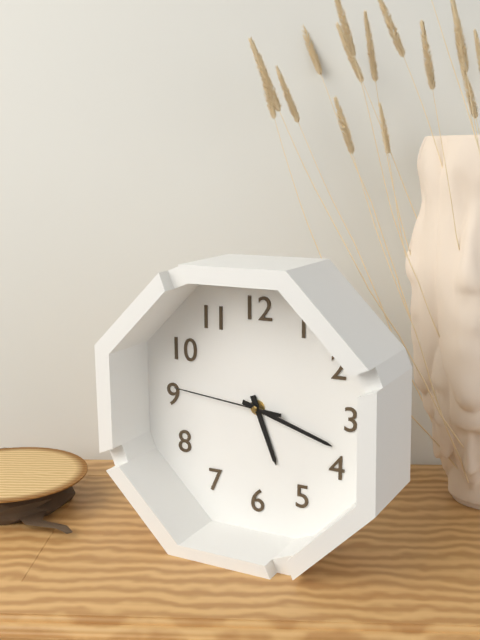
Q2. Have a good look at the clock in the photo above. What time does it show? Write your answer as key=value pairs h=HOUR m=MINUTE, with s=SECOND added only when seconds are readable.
h=5 m=18 s=46
